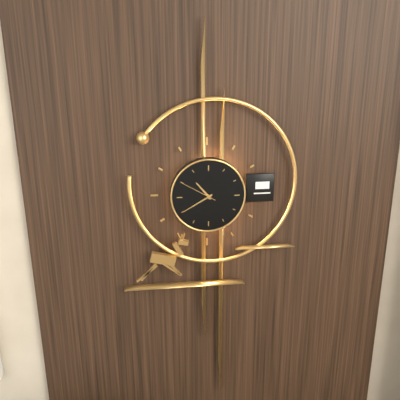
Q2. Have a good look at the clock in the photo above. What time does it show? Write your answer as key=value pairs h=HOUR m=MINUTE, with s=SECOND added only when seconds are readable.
h=10 m=40
